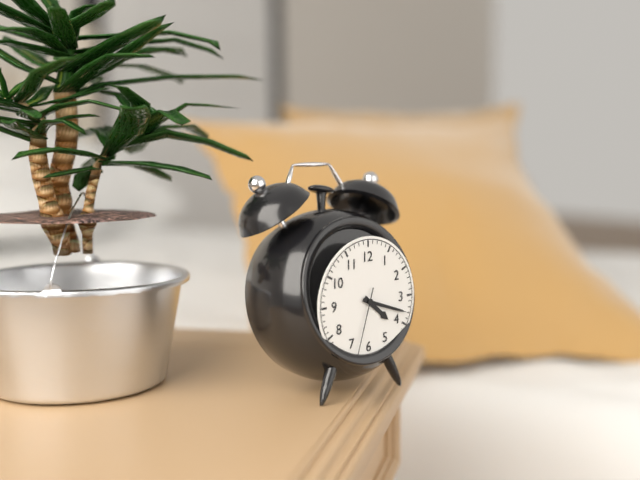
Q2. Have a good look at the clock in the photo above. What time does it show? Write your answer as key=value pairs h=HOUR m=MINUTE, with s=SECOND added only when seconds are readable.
h=4 m=18 s=33
